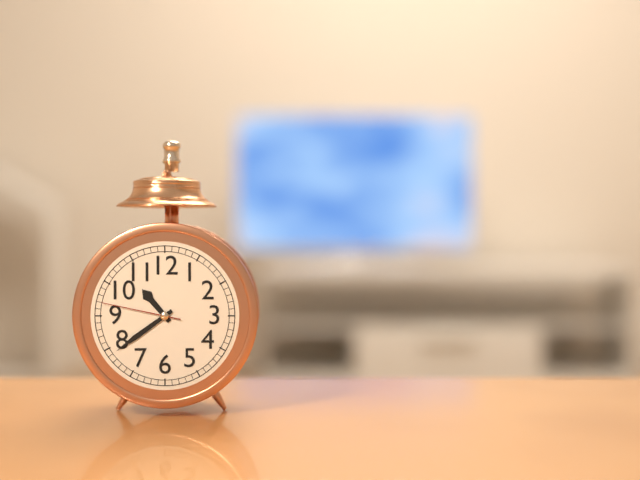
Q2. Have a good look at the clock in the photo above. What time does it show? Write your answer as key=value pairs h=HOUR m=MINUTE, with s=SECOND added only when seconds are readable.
h=10 m=39 s=47
